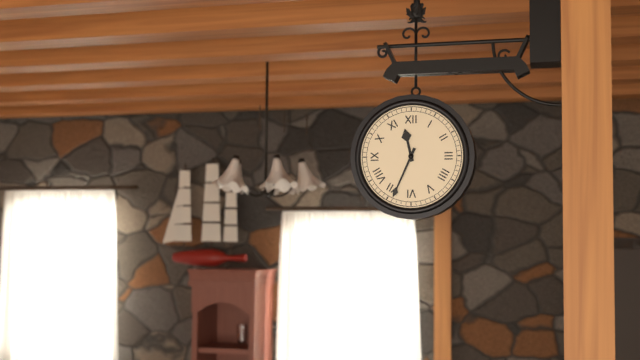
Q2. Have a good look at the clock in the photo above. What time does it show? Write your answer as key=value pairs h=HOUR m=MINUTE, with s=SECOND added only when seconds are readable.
h=11 m=34
